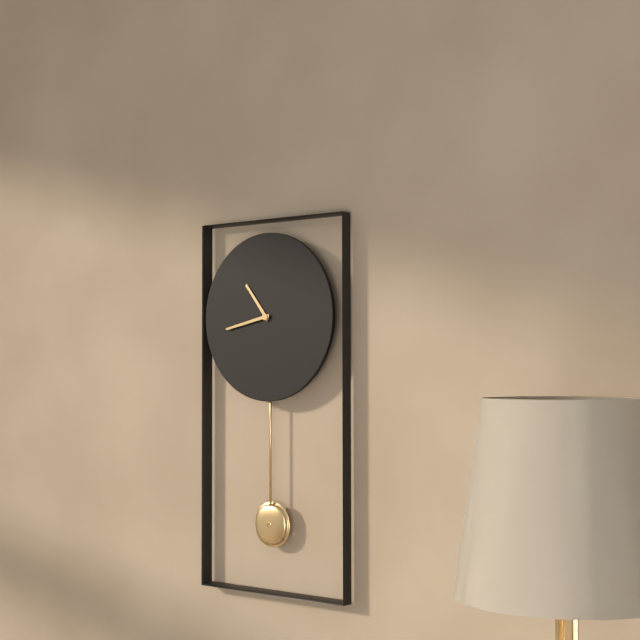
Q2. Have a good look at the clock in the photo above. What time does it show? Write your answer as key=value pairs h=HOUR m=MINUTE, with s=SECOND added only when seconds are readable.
h=10 m=43
